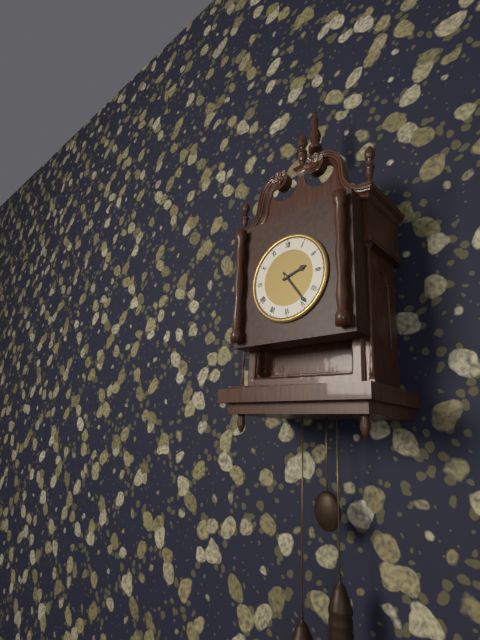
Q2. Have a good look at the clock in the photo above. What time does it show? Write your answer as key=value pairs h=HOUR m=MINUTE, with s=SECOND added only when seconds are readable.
h=2 m=24
